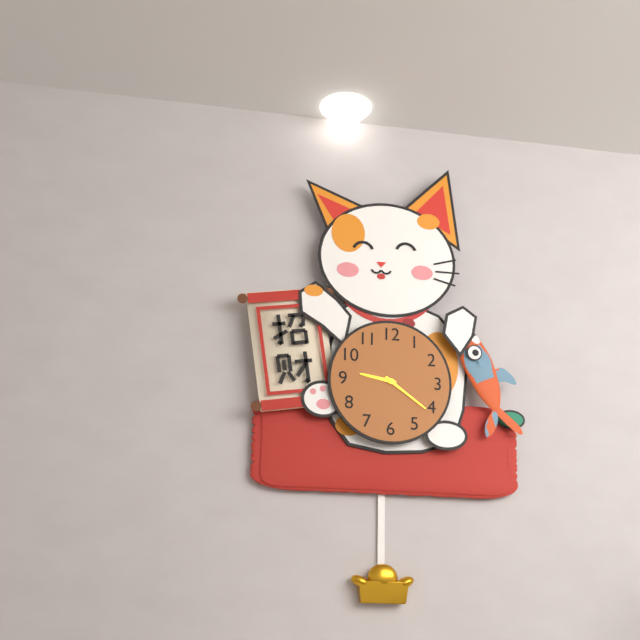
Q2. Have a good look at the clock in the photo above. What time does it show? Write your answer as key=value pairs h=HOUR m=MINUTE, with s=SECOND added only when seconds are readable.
h=9 m=21
